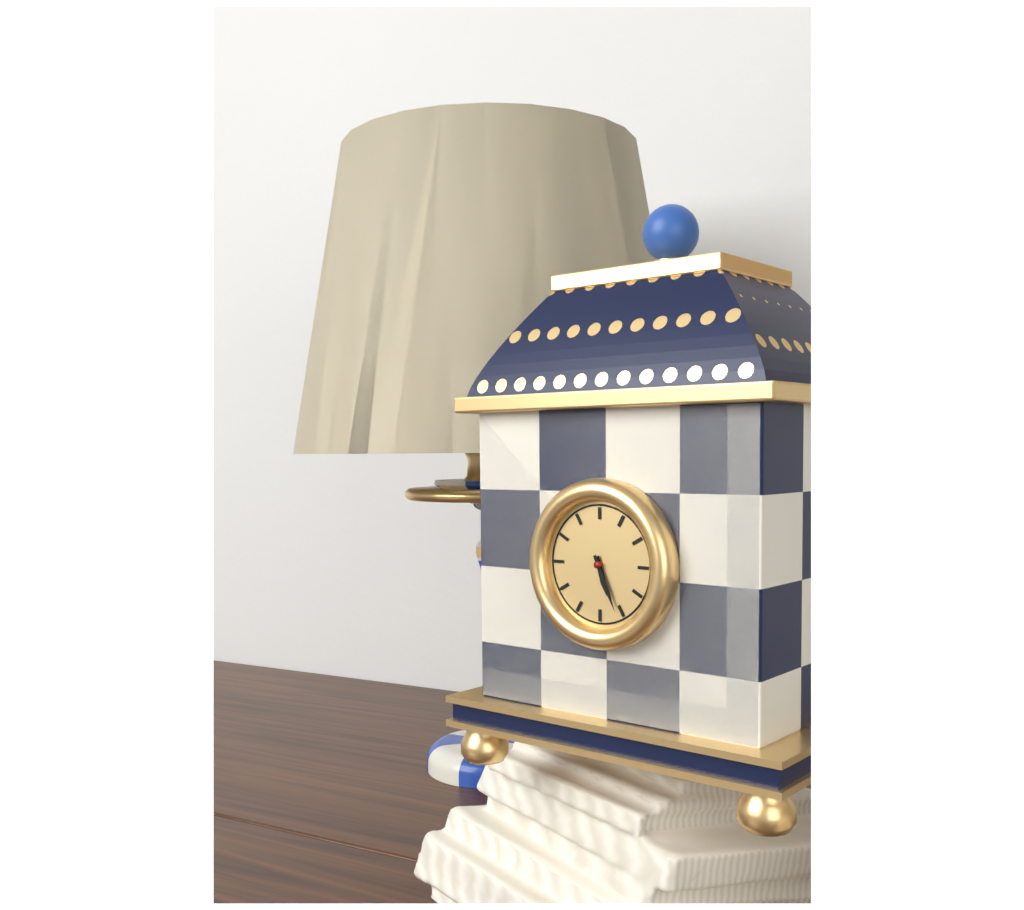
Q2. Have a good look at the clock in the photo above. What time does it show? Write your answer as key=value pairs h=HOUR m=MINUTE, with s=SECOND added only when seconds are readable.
h=5 m=26
